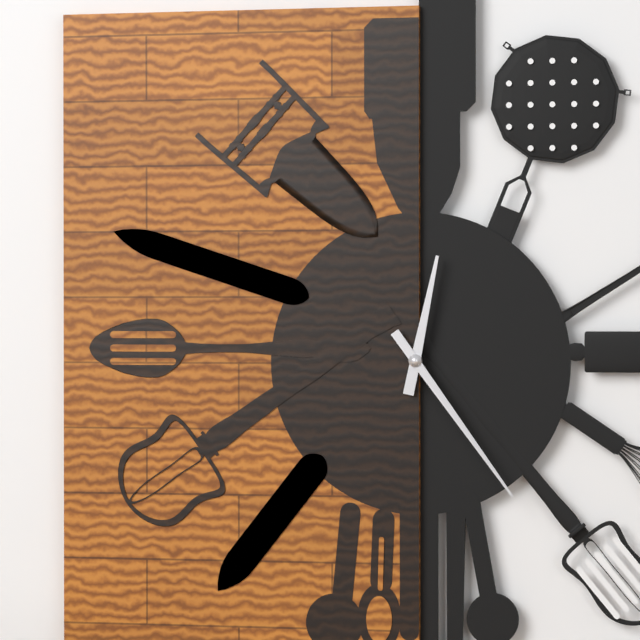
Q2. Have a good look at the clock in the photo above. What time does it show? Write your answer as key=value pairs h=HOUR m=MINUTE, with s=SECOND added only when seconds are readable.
h=12 m=24
